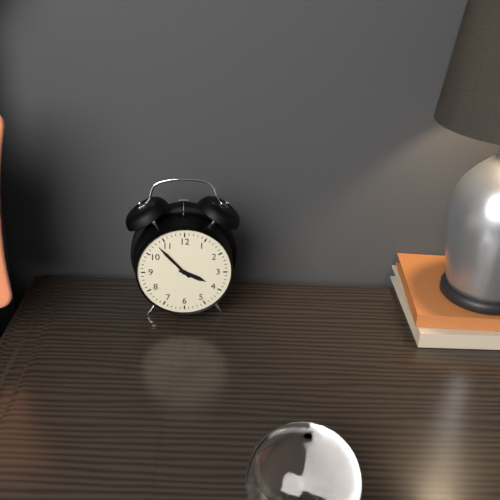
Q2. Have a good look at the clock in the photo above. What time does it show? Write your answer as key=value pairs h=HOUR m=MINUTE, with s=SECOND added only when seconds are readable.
h=3 m=53
